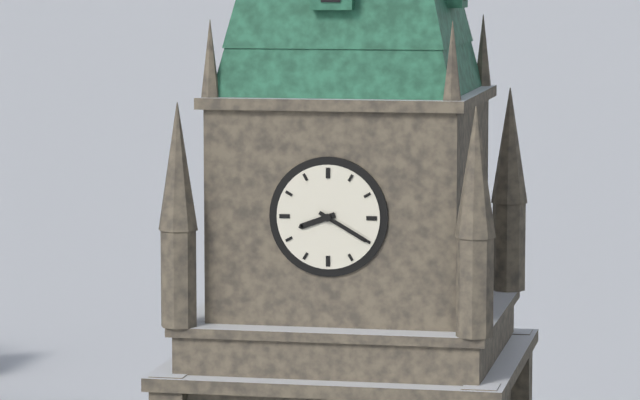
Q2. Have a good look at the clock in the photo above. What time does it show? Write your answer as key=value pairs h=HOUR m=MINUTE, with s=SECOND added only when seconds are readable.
h=8 m=20
